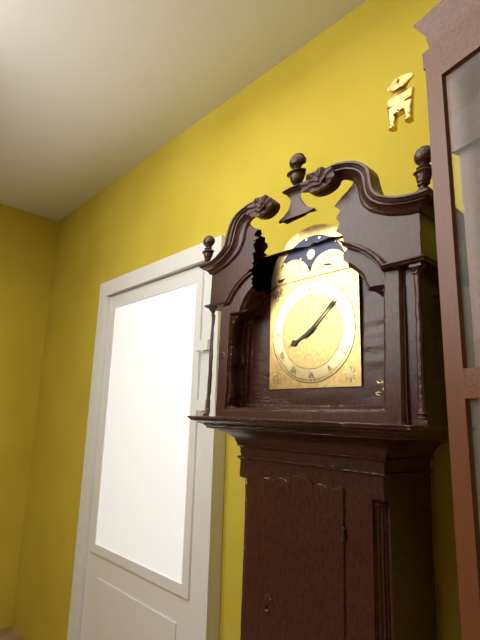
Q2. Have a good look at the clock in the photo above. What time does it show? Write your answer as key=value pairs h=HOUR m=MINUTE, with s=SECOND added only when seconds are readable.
h=8 m=8
